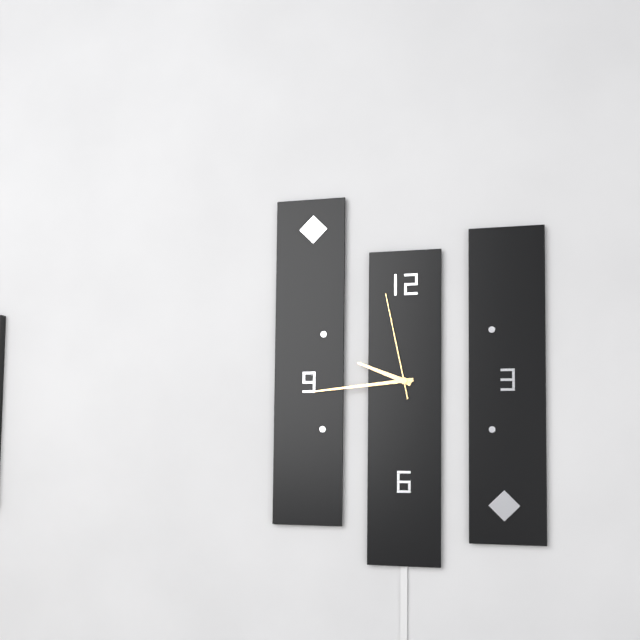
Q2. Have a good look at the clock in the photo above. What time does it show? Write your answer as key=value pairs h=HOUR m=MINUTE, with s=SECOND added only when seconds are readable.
h=9 m=44 s=58
